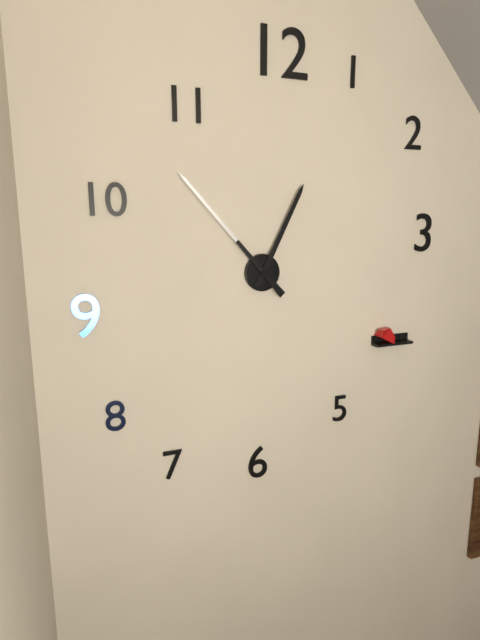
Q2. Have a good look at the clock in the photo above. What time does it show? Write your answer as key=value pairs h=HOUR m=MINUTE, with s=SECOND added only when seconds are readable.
h=12 m=53
